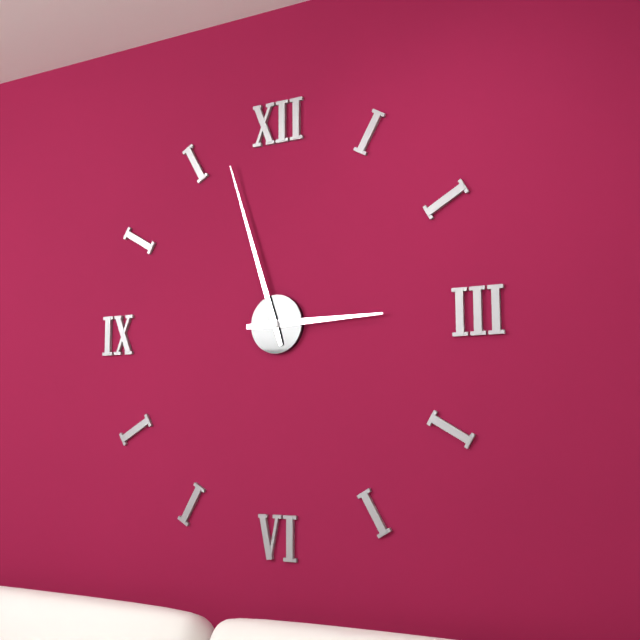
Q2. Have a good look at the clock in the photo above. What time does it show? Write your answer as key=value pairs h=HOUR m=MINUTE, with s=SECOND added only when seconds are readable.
h=2 m=57
